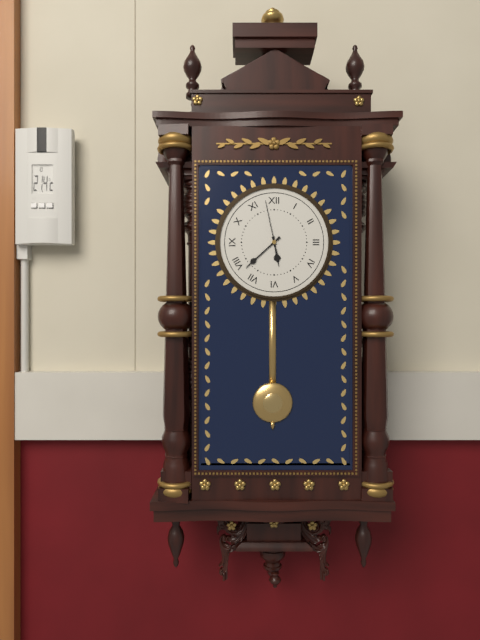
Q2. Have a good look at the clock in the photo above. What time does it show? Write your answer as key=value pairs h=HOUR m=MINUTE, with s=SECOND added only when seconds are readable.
h=5 m=38 s=58
